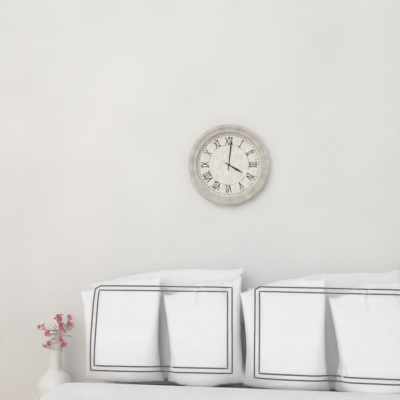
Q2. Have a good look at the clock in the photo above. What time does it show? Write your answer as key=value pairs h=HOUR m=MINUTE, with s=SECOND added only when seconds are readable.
h=4 m=1
